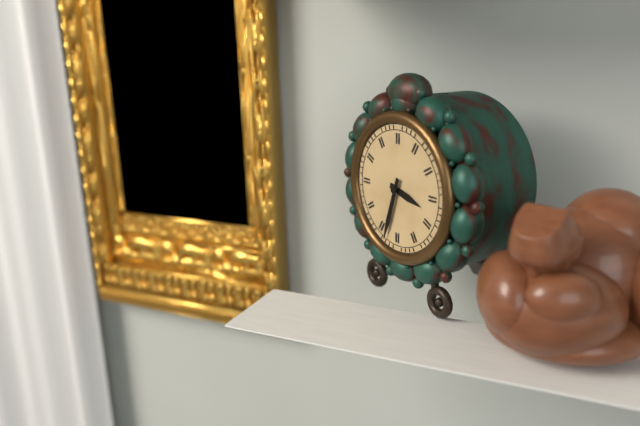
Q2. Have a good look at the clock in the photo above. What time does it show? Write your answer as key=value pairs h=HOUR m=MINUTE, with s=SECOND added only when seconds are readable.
h=3 m=33
